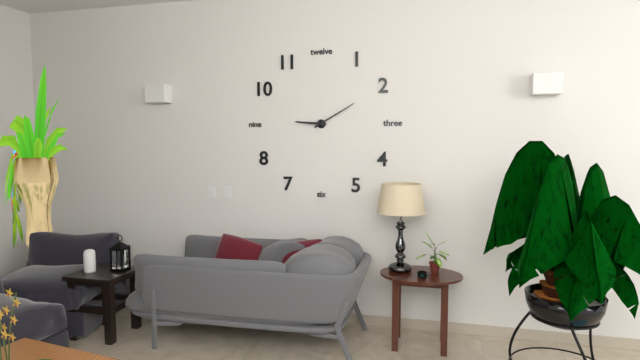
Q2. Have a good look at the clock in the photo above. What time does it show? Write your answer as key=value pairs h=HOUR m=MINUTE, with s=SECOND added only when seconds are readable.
h=9 m=10
